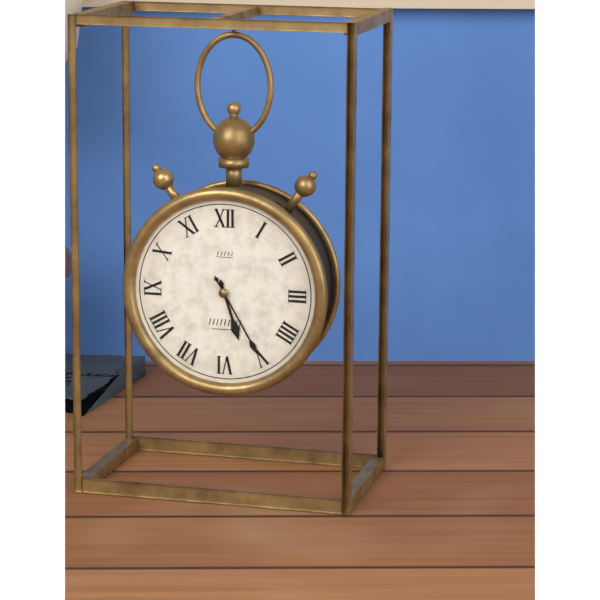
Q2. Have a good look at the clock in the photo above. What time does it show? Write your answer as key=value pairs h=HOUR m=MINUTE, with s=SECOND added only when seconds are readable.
h=5 m=25
